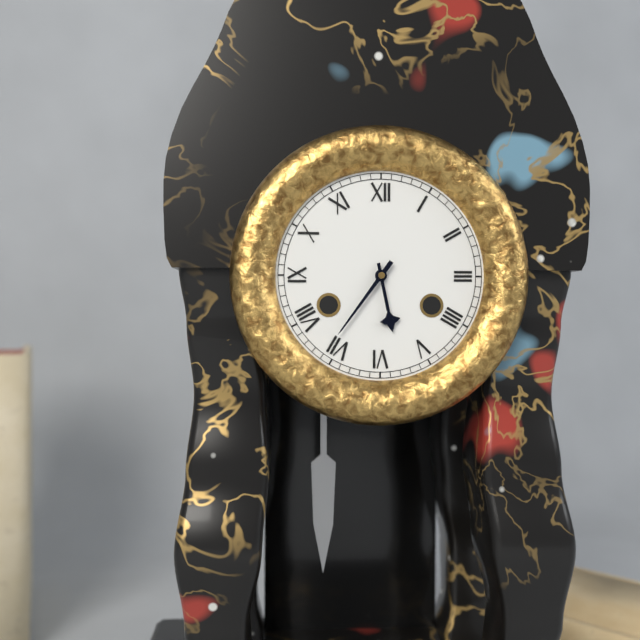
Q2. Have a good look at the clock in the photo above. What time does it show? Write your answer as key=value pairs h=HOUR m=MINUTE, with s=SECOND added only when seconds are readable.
h=5 m=36
